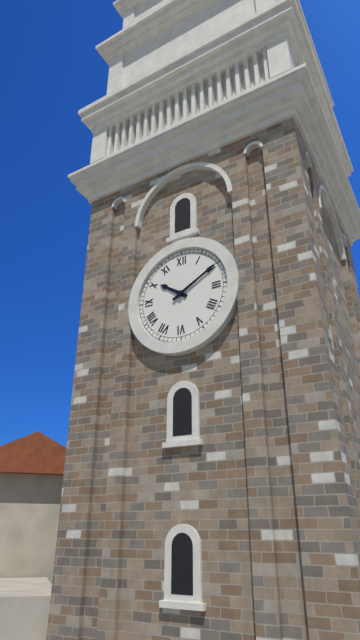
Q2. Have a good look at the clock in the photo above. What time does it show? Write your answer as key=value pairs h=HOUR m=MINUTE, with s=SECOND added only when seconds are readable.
h=10 m=10
